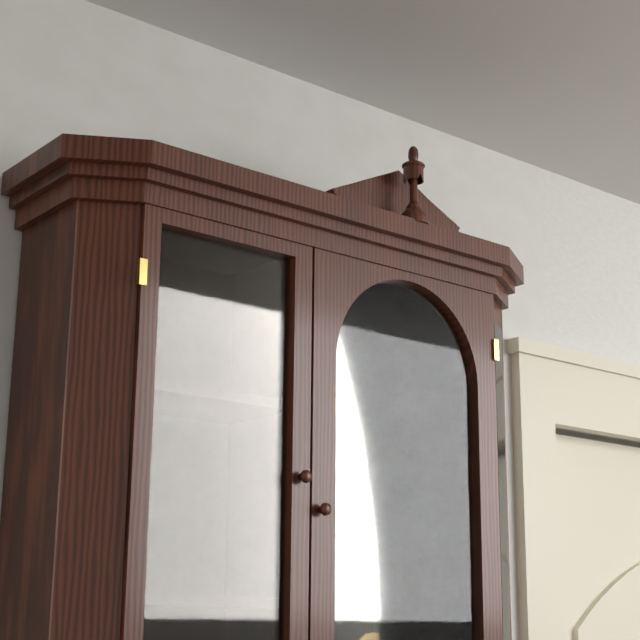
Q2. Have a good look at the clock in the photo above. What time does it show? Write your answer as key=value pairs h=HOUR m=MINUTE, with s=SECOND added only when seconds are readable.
h=11 m=30
